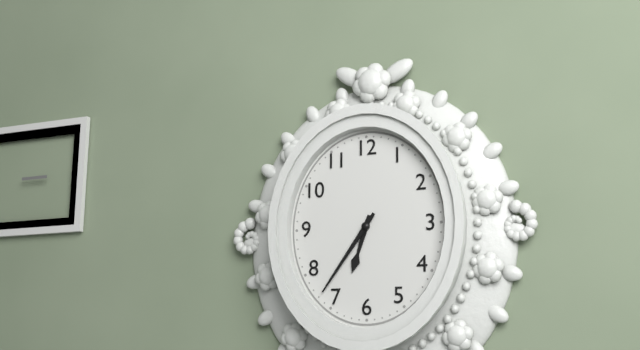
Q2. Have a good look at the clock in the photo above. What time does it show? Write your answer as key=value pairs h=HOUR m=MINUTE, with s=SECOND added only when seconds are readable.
h=6 m=36
